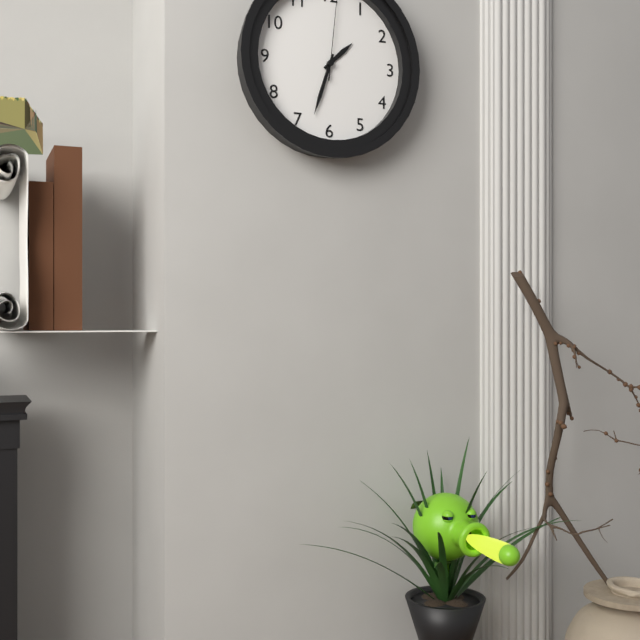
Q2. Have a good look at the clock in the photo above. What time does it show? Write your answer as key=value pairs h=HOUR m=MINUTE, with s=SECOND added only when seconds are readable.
h=1 m=33
